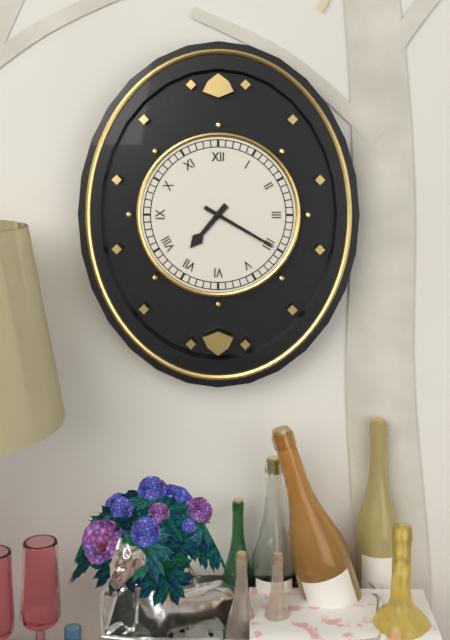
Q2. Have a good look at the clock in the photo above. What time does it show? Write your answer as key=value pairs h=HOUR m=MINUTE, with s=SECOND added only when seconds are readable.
h=7 m=20
